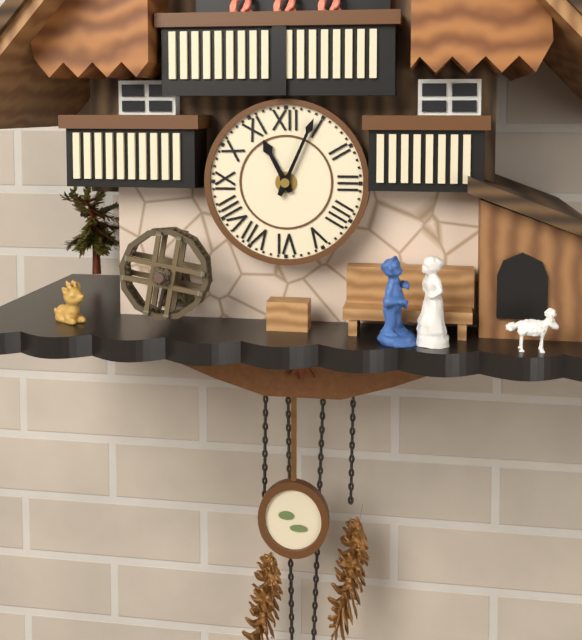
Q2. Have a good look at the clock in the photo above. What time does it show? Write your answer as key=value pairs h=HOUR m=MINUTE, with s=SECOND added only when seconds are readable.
h=11 m=4
